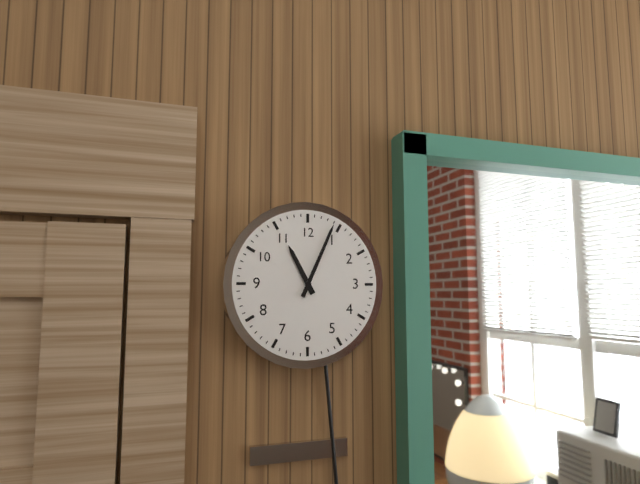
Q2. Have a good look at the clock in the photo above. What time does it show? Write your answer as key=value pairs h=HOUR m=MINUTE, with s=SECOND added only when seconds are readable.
h=11 m=4
